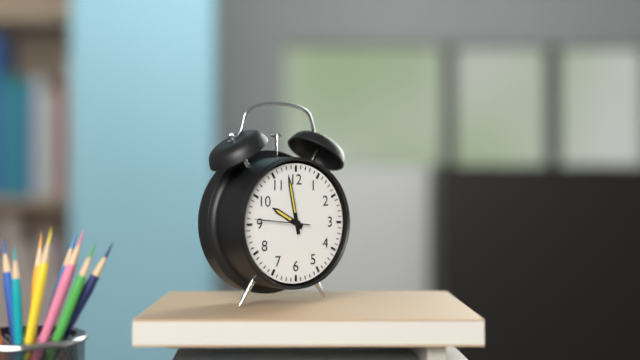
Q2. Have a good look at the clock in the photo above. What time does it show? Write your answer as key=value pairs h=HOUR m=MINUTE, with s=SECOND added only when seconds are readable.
h=9 m=58 s=46
